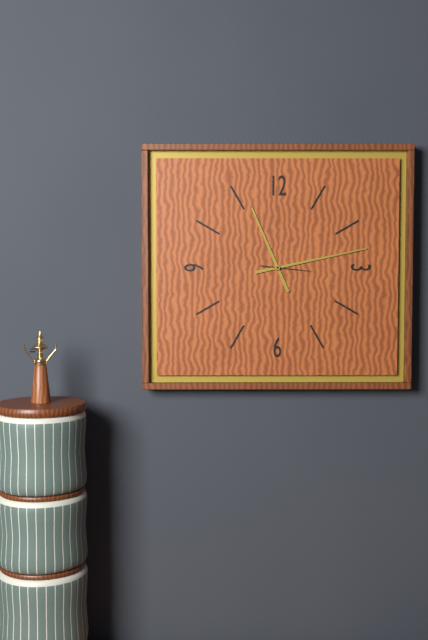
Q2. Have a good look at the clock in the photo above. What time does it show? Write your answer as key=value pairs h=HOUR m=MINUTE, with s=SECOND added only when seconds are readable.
h=11 m=13
